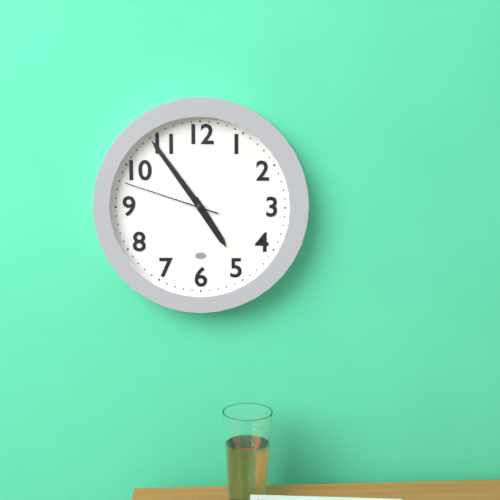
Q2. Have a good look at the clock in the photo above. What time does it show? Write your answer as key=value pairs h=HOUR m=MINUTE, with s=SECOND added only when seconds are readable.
h=4 m=54 s=48
